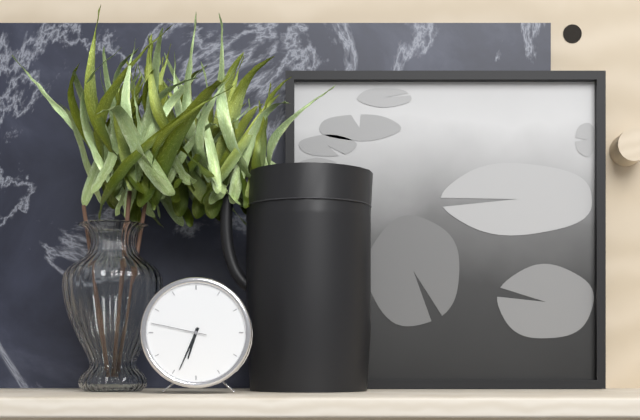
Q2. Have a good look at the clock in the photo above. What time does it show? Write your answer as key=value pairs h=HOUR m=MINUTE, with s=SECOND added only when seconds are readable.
h=6 m=34 s=47
